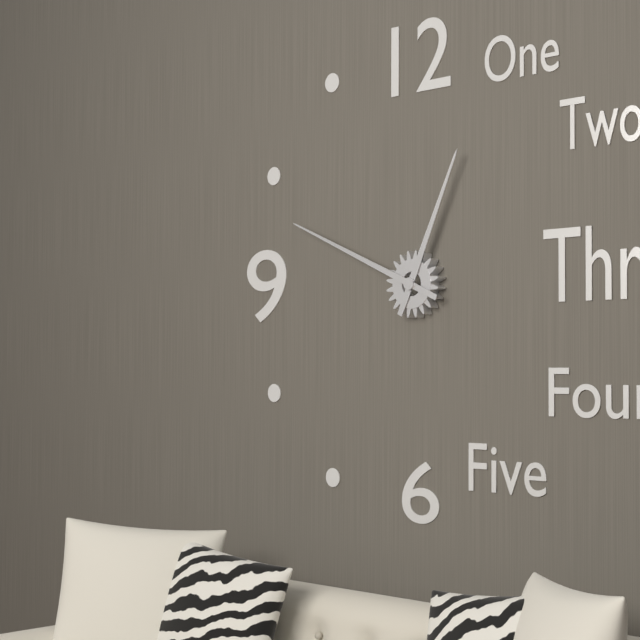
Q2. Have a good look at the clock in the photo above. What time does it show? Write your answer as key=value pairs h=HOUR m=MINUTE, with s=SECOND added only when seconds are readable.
h=12 m=49
